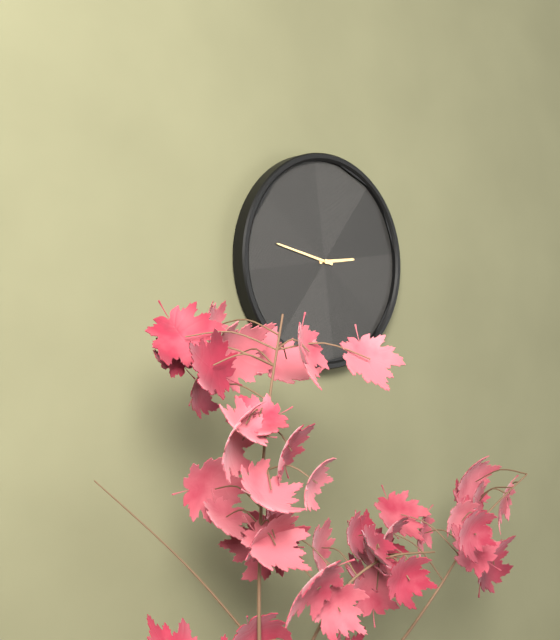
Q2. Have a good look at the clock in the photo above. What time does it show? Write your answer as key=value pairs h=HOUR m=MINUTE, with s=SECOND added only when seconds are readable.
h=2 m=47
